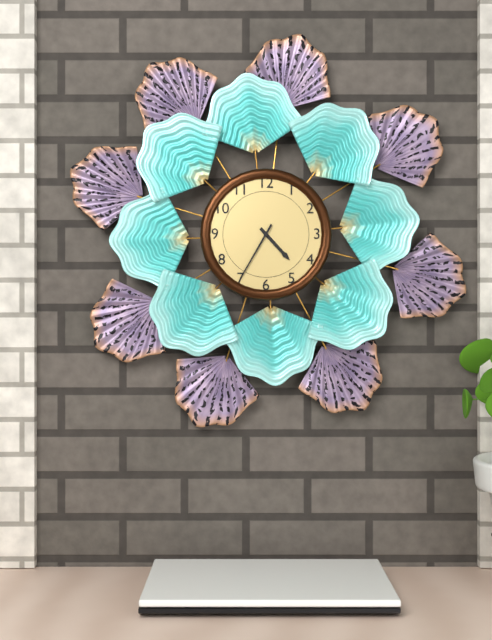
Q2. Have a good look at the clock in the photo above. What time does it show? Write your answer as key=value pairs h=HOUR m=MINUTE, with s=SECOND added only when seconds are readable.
h=4 m=35
